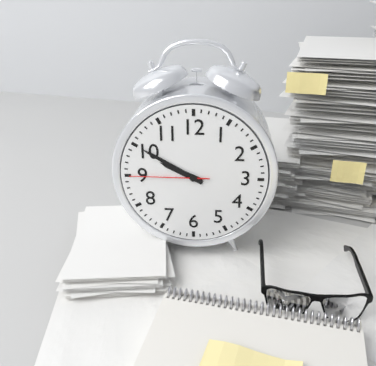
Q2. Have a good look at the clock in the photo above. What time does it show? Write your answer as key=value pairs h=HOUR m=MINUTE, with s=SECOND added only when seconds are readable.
h=9 m=50 s=45
